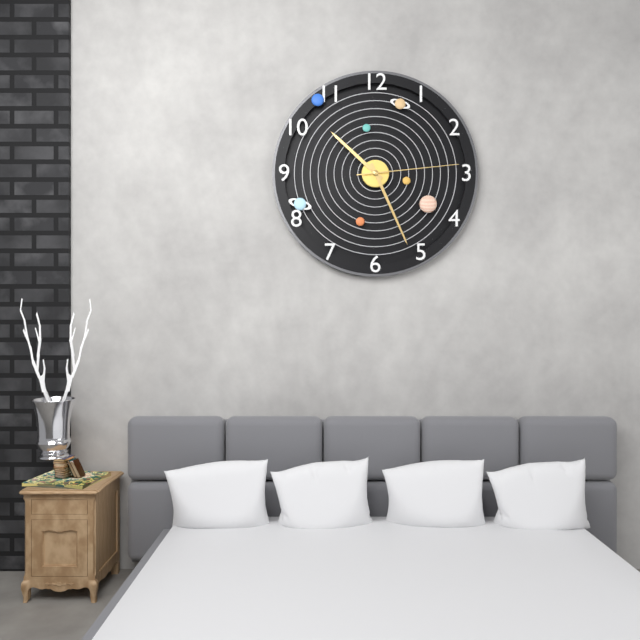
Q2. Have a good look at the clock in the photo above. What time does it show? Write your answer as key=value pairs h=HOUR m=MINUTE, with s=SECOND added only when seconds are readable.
h=10 m=26 s=14
